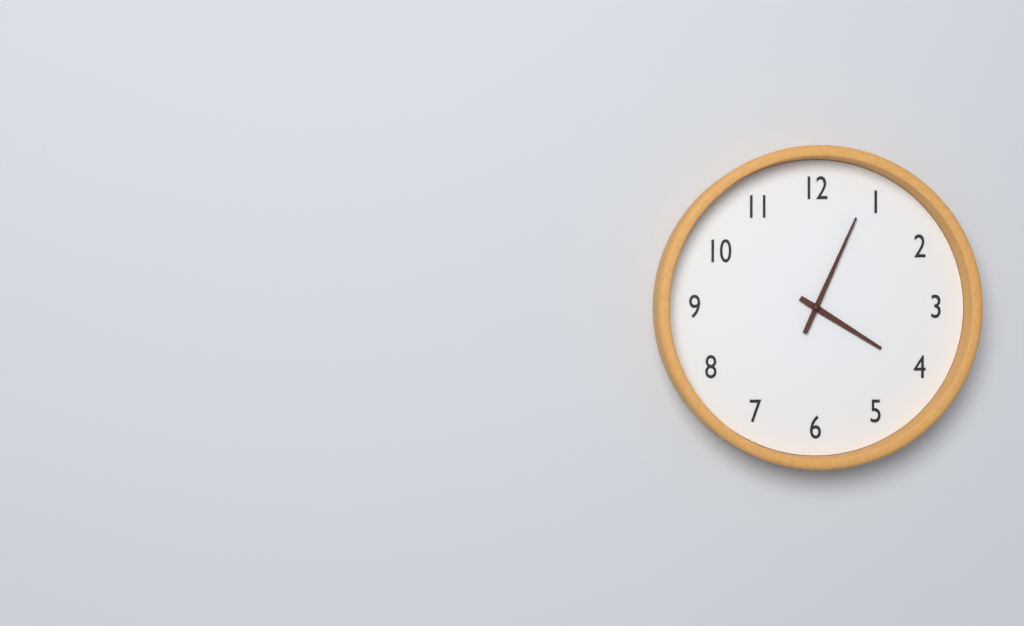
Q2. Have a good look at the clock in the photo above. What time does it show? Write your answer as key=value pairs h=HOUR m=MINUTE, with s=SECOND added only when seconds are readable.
h=4 m=4
